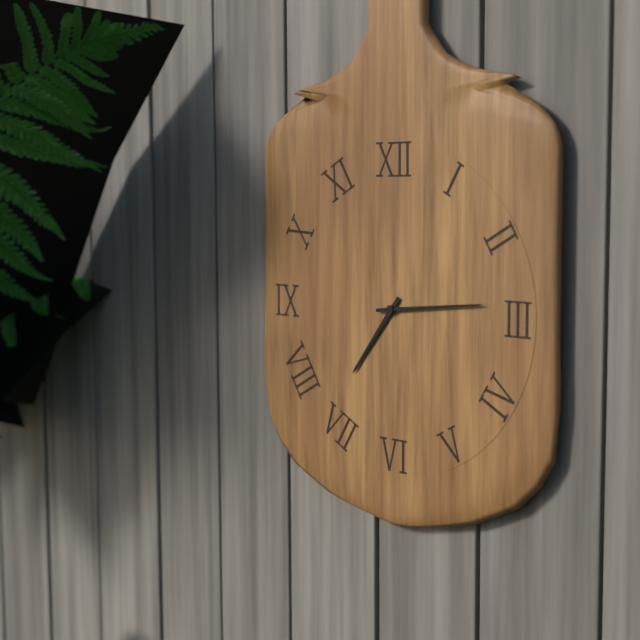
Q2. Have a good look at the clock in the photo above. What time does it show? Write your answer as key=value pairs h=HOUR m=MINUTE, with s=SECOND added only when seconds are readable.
h=7 m=14
